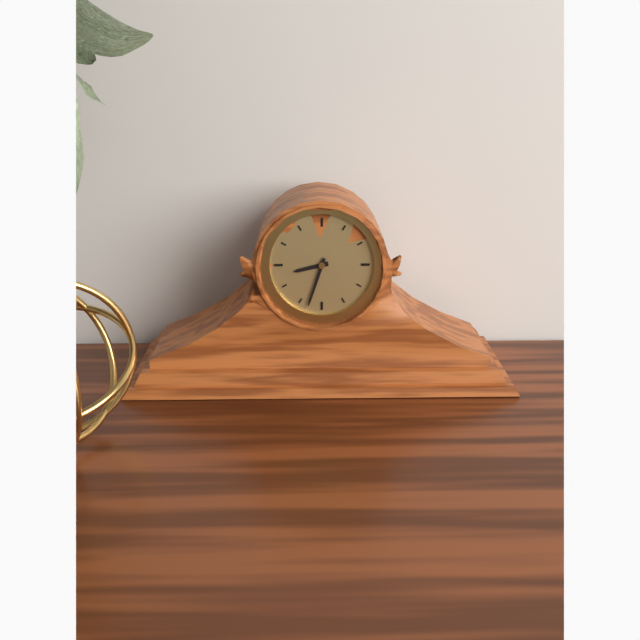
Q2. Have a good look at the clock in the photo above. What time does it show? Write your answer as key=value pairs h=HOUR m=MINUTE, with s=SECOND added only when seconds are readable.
h=8 m=33
